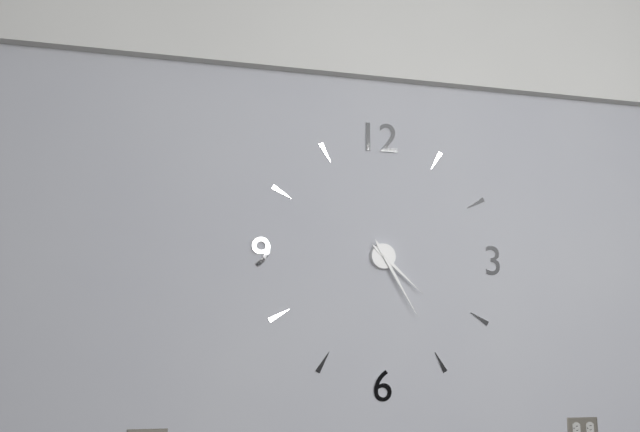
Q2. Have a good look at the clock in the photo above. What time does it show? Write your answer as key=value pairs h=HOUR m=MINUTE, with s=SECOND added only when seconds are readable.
h=4 m=25
